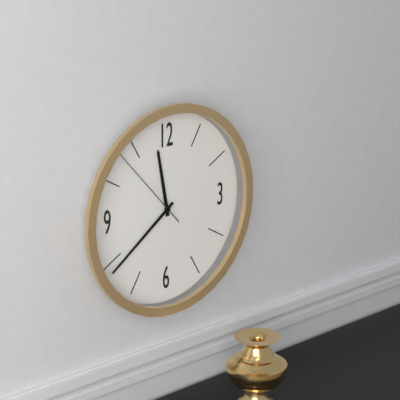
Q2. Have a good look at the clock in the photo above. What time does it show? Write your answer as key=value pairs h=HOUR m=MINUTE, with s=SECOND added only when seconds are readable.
h=11 m=39 s=53
